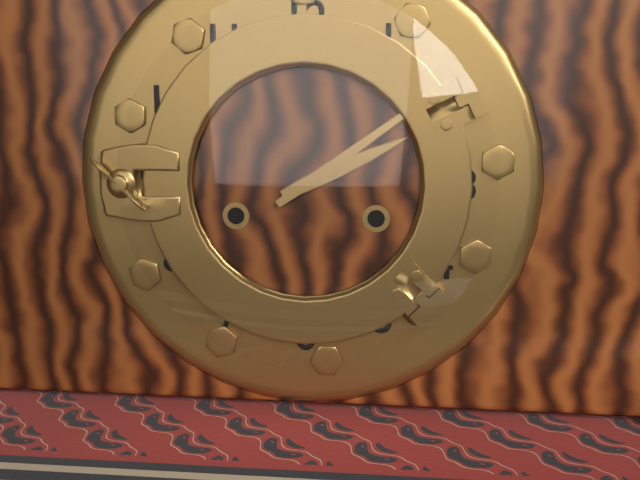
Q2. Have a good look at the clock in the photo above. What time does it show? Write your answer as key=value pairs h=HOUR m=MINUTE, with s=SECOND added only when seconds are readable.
h=2 m=9
